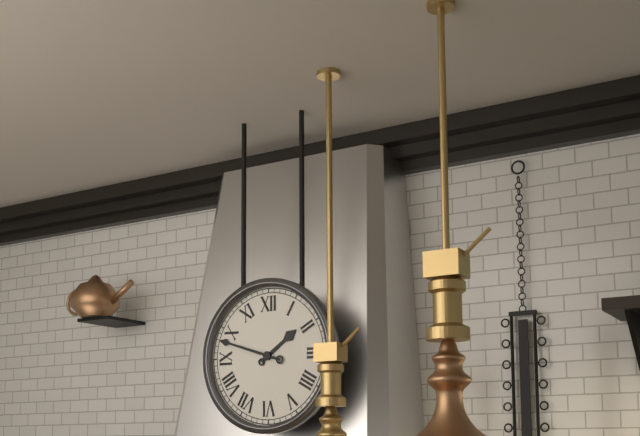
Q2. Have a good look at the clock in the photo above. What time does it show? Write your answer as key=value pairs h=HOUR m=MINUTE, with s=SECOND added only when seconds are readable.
h=1 m=48
